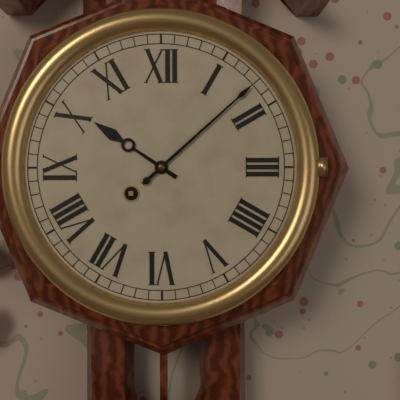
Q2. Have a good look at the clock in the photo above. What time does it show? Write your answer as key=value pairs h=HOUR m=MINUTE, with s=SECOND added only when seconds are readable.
h=10 m=8
